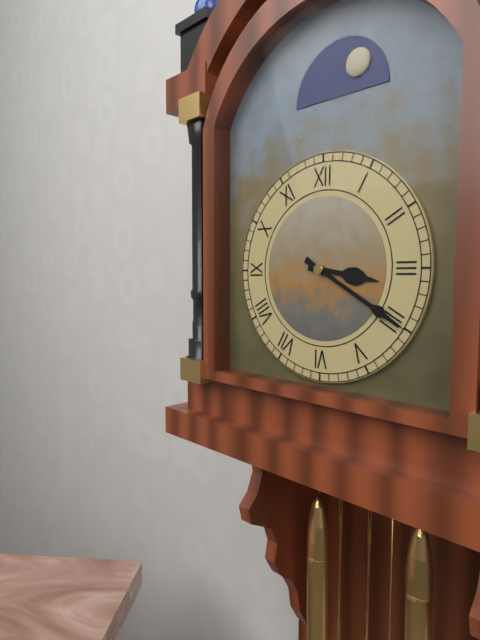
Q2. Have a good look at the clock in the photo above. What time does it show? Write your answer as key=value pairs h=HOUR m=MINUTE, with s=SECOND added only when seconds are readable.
h=3 m=20
